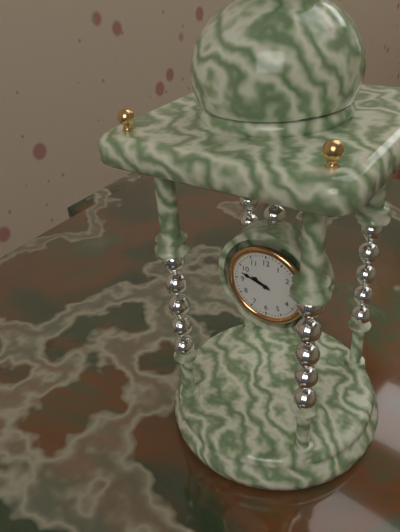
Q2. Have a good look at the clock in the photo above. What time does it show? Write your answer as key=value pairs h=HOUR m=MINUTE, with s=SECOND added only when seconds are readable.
h=9 m=48
